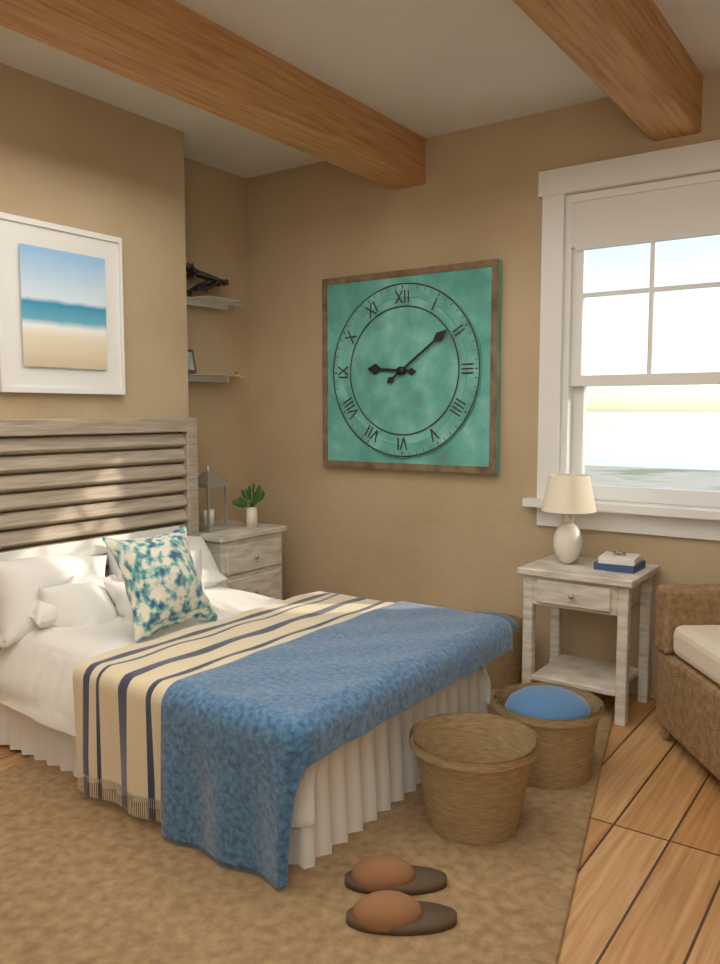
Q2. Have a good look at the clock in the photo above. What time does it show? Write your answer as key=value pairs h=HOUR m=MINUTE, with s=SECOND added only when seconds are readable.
h=9 m=9
